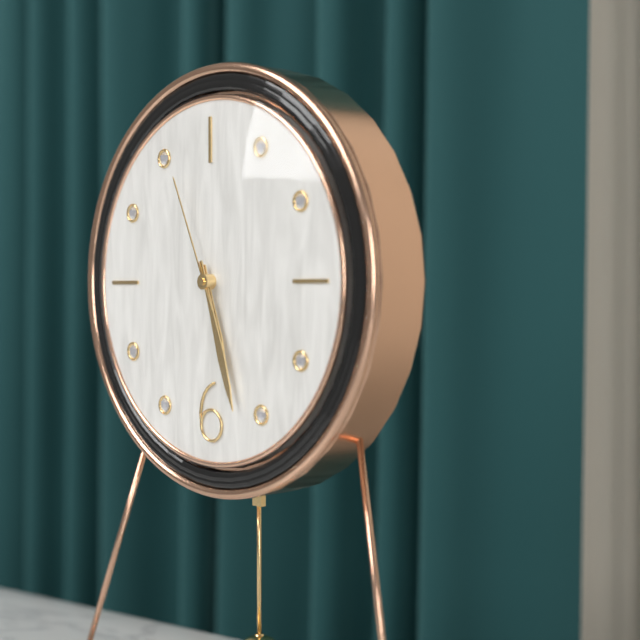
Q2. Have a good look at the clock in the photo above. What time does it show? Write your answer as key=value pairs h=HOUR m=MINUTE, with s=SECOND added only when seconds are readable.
h=5 m=27 s=56
